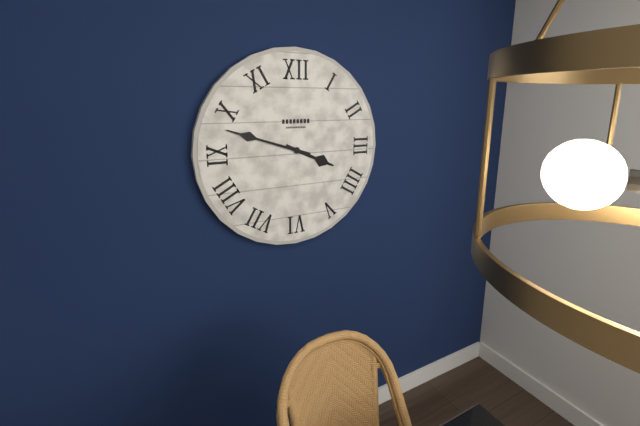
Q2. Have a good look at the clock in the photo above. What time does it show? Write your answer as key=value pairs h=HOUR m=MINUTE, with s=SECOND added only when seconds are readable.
h=3 m=48
